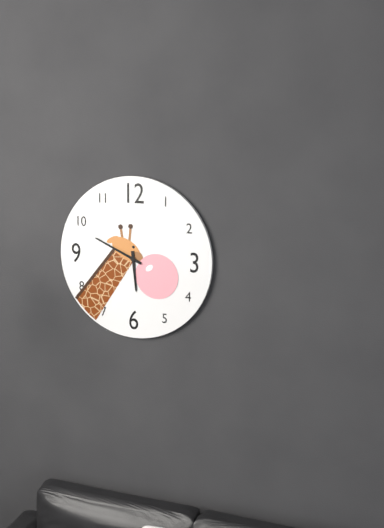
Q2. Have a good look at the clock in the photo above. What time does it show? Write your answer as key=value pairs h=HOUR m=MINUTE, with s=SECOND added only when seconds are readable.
h=5 m=49
